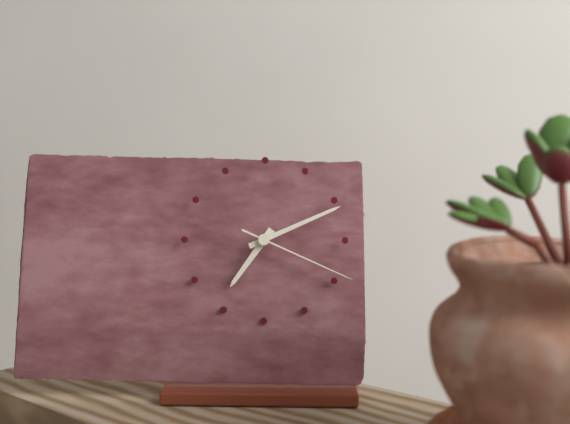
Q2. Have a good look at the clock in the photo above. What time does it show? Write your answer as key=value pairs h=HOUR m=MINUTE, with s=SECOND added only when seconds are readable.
h=7 m=11 s=19
